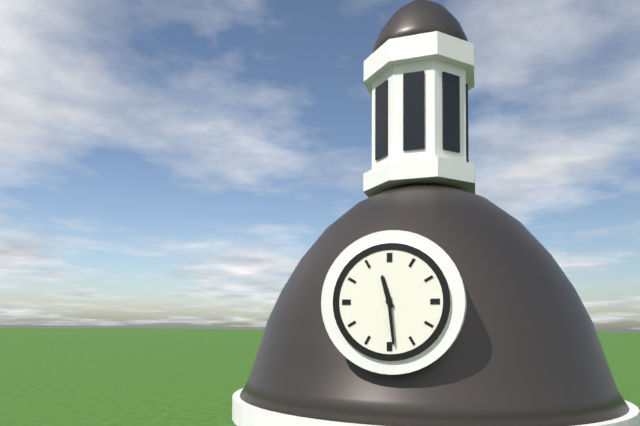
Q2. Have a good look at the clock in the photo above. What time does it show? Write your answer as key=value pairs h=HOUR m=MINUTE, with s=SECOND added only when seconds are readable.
h=11 m=29
